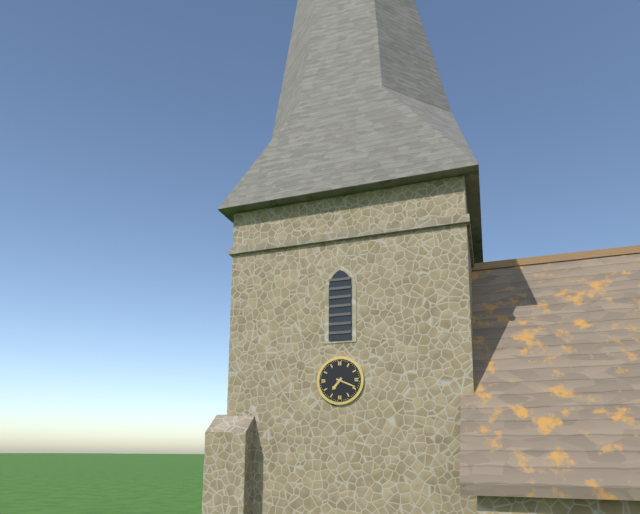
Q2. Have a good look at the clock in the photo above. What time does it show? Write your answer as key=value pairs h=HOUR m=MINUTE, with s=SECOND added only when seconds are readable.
h=7 m=19
